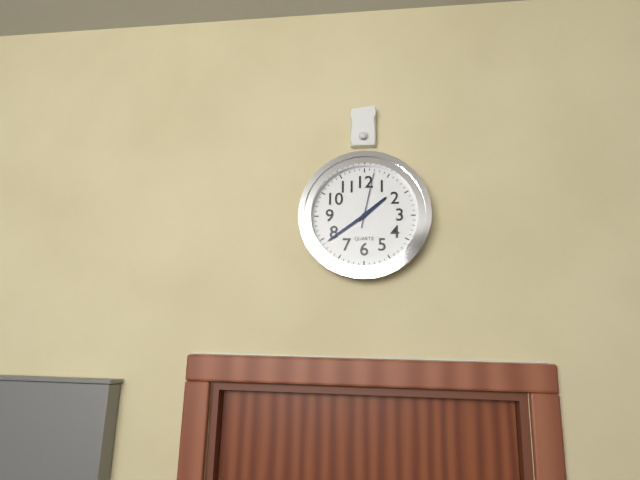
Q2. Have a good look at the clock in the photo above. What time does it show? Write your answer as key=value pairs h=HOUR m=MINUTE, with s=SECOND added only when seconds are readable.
h=1 m=39 s=2
